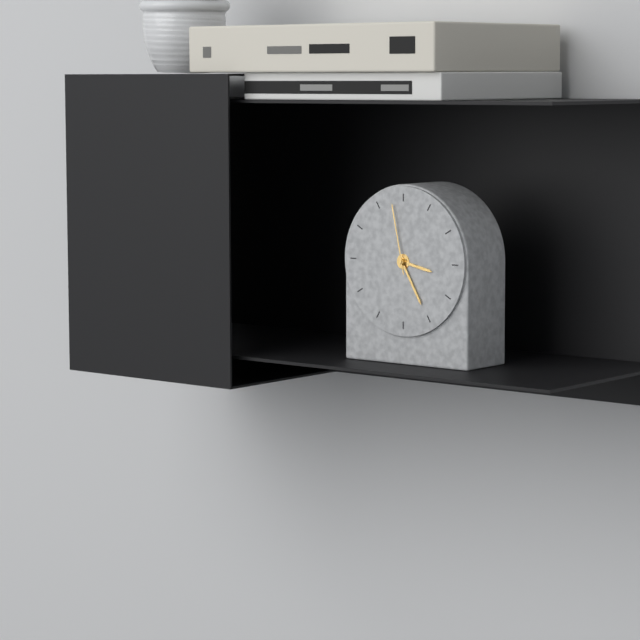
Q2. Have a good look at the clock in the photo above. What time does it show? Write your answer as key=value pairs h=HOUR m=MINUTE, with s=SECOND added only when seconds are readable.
h=3 m=25 s=58
